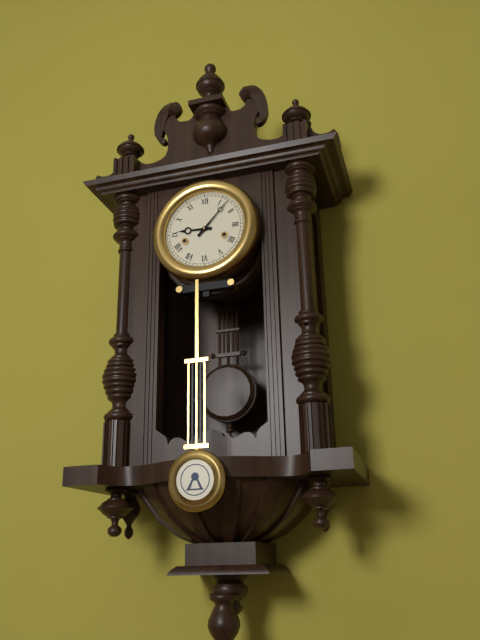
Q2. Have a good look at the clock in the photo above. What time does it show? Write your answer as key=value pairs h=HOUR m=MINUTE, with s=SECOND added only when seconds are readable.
h=9 m=7
